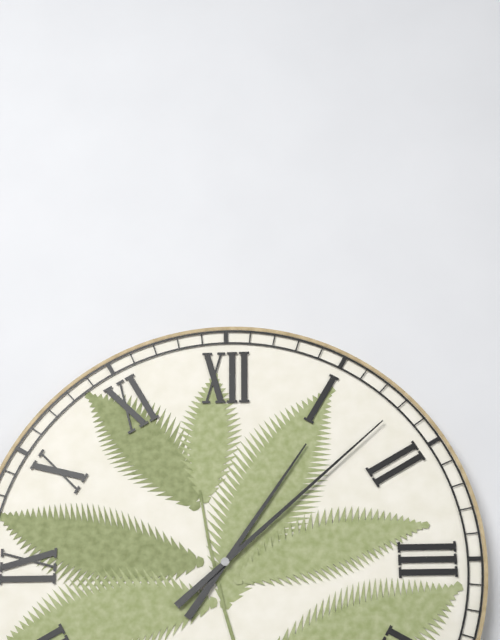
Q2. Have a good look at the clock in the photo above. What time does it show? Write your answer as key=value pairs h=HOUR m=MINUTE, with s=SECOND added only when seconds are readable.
h=1 m=8
